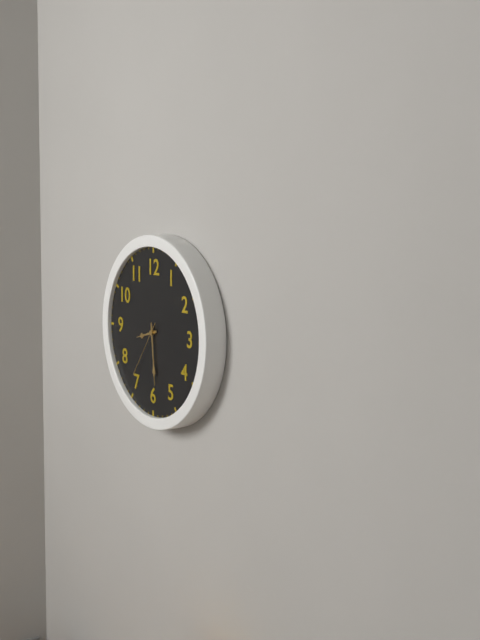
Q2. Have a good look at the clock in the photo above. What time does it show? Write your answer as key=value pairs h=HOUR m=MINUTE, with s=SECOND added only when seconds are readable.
h=8 m=29 s=36
